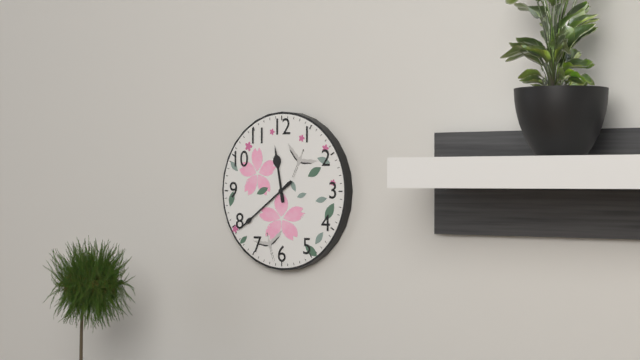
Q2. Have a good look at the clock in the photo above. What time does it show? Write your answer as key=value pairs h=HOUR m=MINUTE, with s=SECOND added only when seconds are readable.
h=11 m=39
